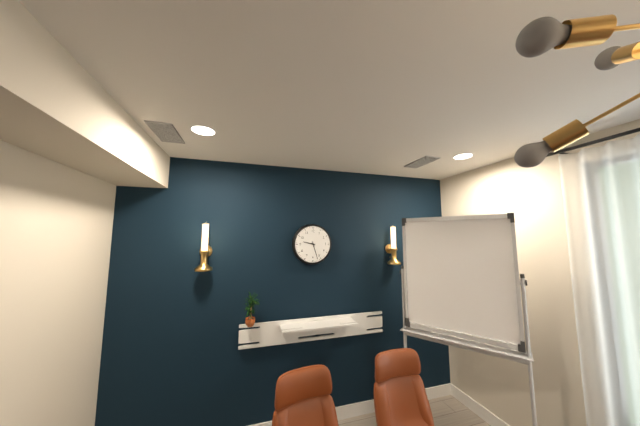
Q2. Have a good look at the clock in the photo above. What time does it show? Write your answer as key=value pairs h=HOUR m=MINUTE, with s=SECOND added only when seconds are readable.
h=9 m=27
